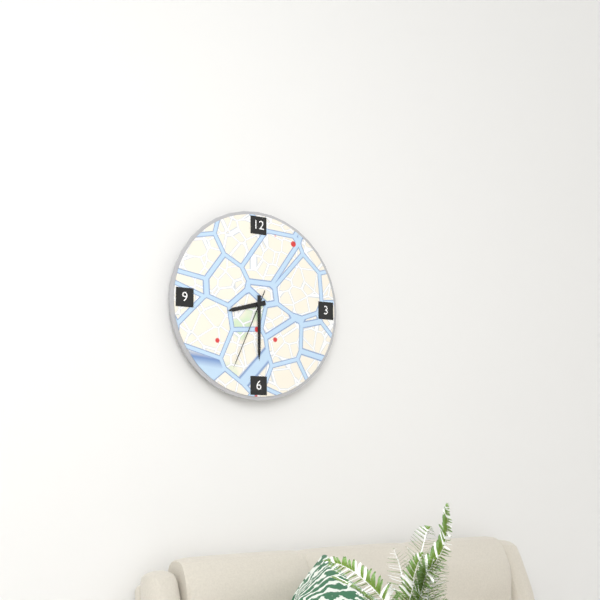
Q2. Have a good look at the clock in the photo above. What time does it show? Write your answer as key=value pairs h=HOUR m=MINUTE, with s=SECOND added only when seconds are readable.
h=8 m=30 s=34
